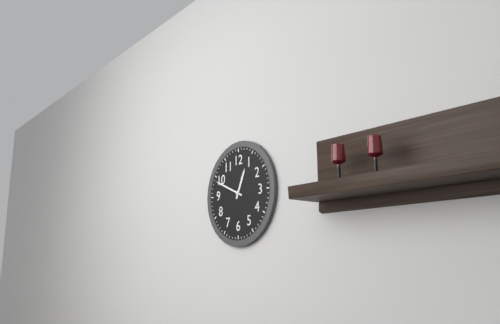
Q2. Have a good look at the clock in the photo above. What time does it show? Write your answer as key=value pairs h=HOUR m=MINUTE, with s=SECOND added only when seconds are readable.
h=12 m=49
